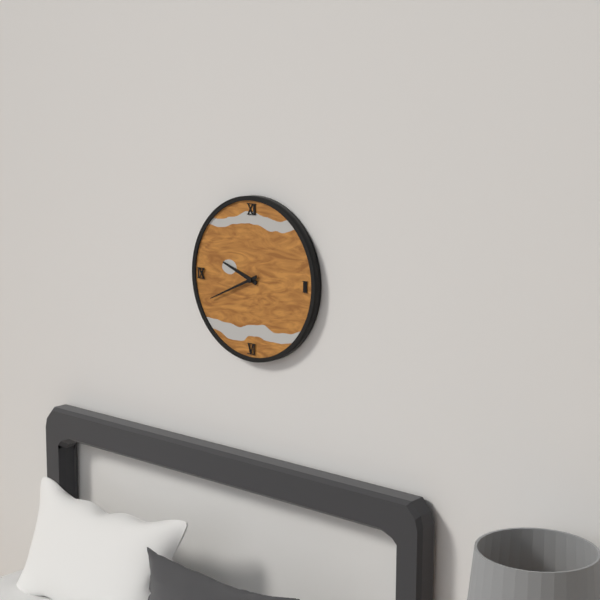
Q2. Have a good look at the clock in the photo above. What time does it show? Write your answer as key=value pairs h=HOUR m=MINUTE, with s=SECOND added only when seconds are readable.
h=9 m=41
